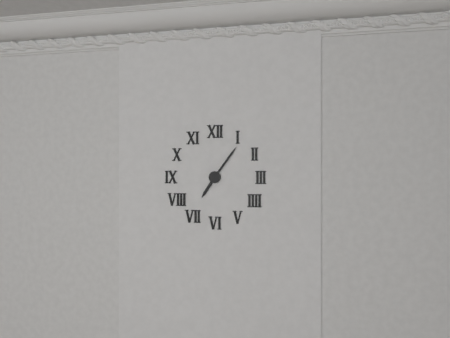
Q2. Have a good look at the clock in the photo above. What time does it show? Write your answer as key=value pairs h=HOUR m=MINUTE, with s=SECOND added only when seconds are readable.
h=7 m=6
